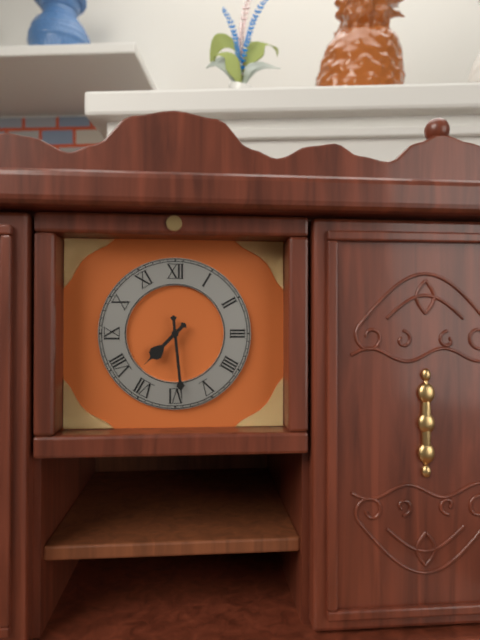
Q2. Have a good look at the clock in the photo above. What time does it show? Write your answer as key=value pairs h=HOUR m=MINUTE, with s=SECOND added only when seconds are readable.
h=7 m=29
